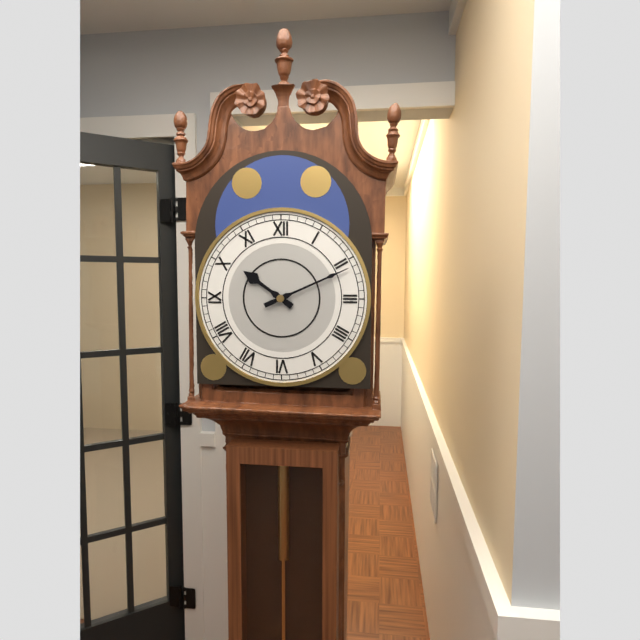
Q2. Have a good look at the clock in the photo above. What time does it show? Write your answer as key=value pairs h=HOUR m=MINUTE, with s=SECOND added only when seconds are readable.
h=10 m=11
